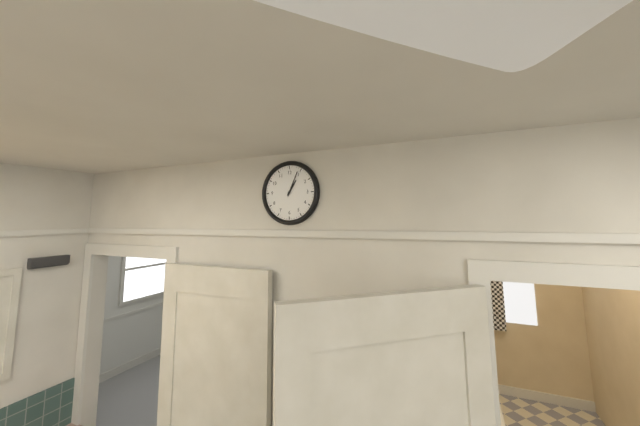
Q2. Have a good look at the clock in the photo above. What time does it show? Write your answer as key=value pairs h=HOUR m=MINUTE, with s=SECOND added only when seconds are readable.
h=1 m=4
